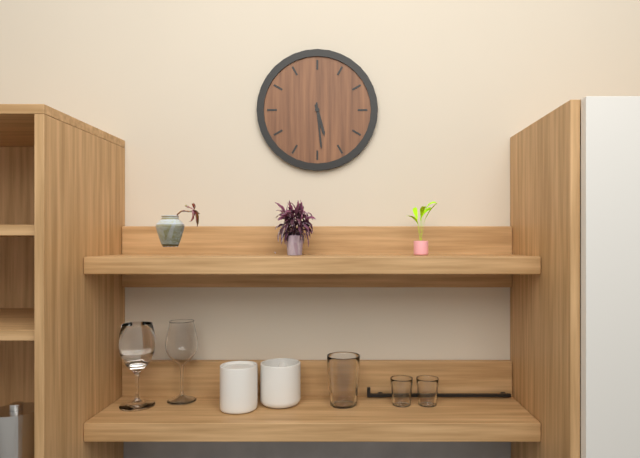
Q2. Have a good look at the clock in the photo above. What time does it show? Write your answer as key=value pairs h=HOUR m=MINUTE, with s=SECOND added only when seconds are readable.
h=5 m=29
